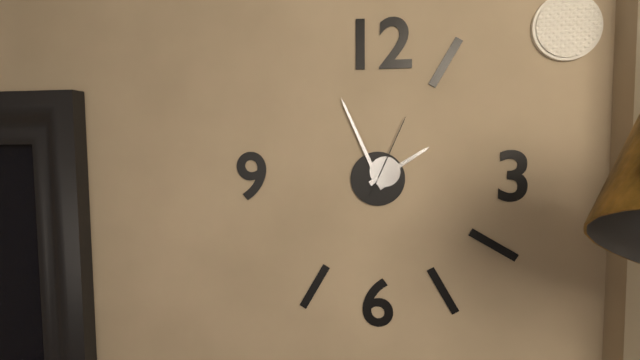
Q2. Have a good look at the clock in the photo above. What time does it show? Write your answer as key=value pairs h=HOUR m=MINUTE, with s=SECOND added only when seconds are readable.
h=1 m=56 s=4
